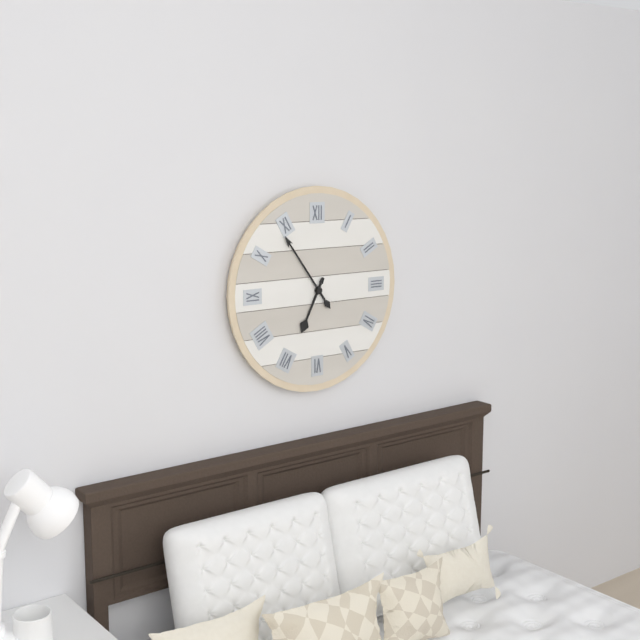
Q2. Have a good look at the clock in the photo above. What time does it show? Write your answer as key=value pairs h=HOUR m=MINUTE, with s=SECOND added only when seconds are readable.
h=6 m=54
